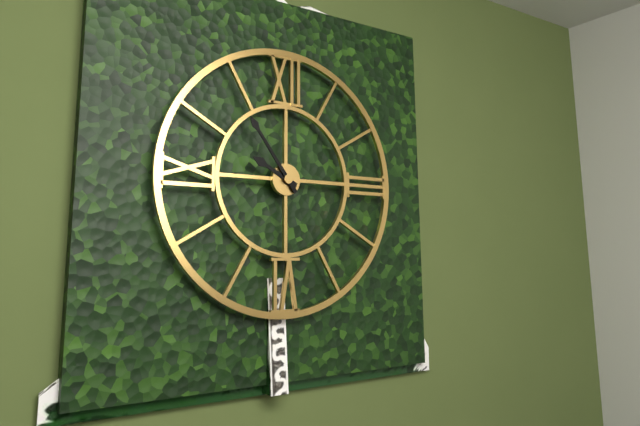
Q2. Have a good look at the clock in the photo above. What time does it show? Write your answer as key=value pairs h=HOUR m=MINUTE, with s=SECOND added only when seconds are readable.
h=9 m=54
